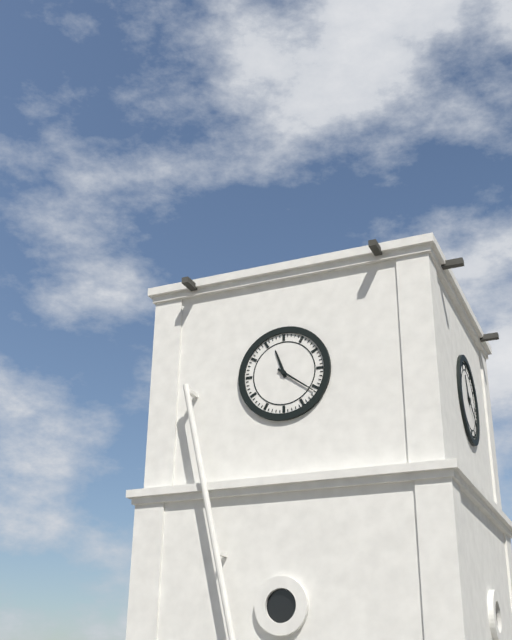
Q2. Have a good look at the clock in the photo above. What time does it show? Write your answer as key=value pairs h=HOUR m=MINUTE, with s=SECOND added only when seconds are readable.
h=11 m=21
